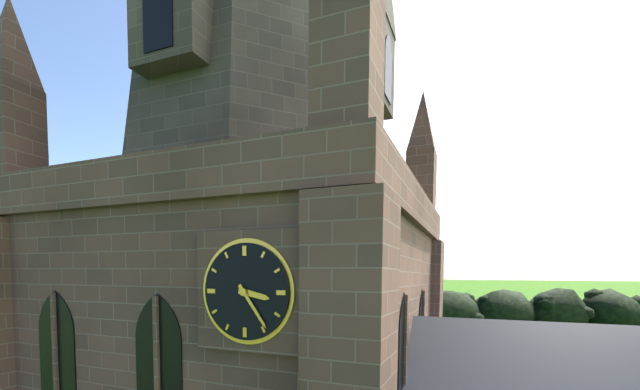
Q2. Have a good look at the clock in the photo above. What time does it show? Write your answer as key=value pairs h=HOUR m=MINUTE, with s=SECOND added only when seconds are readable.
h=3 m=24
